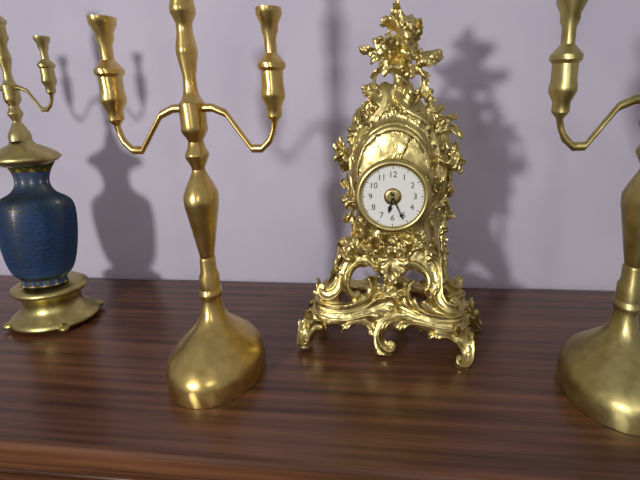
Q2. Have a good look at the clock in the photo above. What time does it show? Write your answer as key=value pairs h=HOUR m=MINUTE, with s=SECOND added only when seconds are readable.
h=6 m=26
